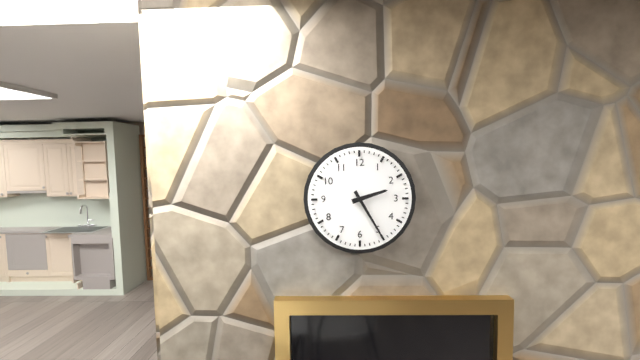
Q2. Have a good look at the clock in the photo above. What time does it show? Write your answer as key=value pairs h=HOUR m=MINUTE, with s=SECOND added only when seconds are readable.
h=2 m=25
